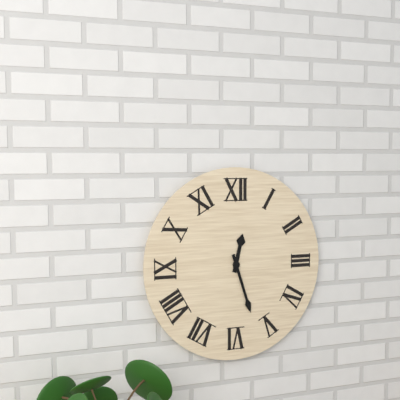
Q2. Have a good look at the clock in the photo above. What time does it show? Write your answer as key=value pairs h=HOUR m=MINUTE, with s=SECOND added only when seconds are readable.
h=12 m=27
